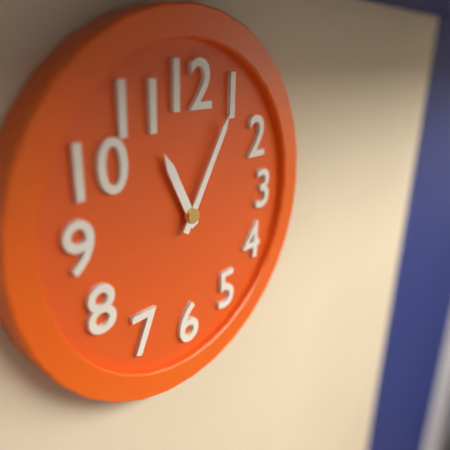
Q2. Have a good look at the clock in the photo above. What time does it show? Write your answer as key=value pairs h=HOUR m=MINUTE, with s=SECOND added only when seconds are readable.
h=11 m=5
